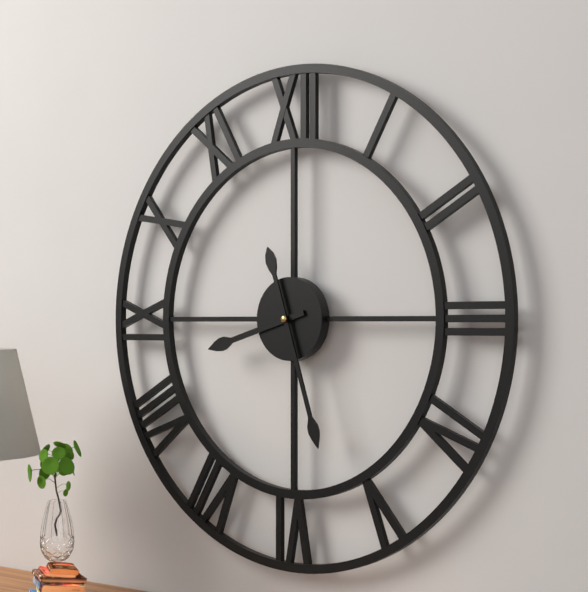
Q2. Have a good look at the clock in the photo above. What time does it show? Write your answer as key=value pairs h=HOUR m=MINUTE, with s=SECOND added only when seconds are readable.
h=8 m=27
